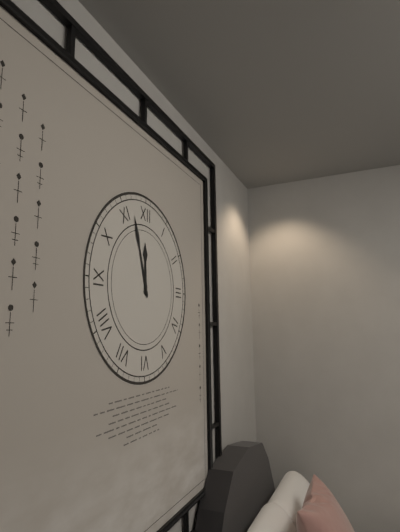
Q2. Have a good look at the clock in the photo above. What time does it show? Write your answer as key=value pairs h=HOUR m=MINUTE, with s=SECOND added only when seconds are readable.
h=11 m=57
